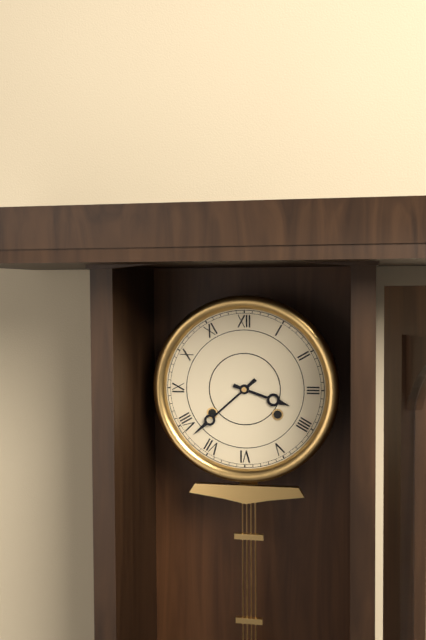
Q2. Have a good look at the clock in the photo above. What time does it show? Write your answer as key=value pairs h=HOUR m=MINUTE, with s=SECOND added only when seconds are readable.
h=3 m=38
